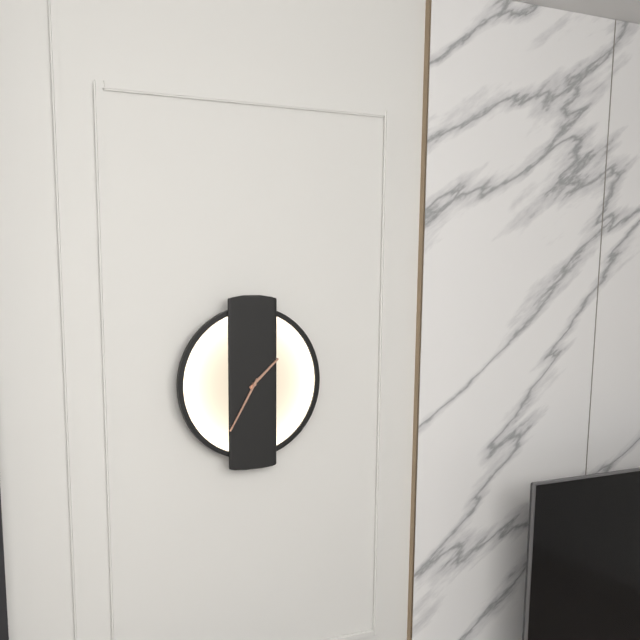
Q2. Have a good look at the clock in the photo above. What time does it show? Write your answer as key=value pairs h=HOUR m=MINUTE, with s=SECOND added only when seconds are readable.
h=1 m=35
